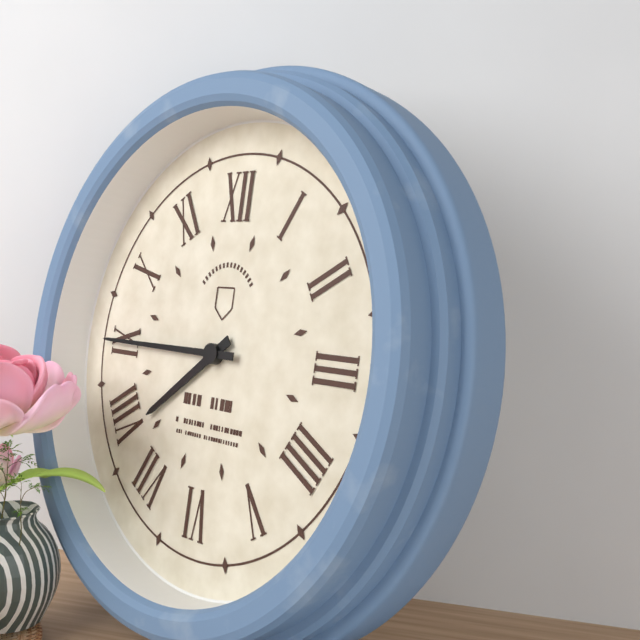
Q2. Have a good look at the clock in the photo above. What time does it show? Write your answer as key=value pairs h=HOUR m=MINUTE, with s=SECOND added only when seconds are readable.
h=7 m=45
